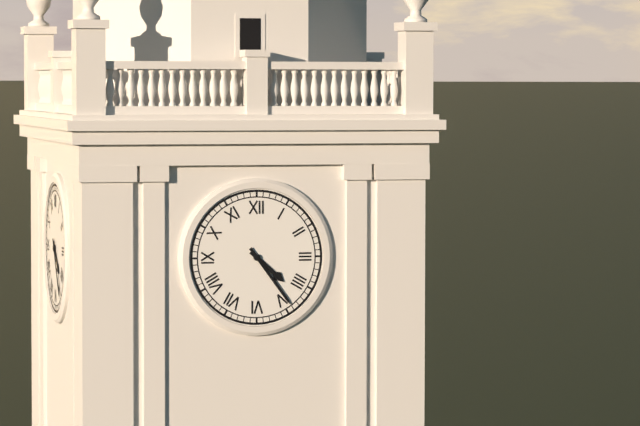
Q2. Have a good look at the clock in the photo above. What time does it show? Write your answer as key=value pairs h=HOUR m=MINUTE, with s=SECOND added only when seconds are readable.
h=4 m=24
